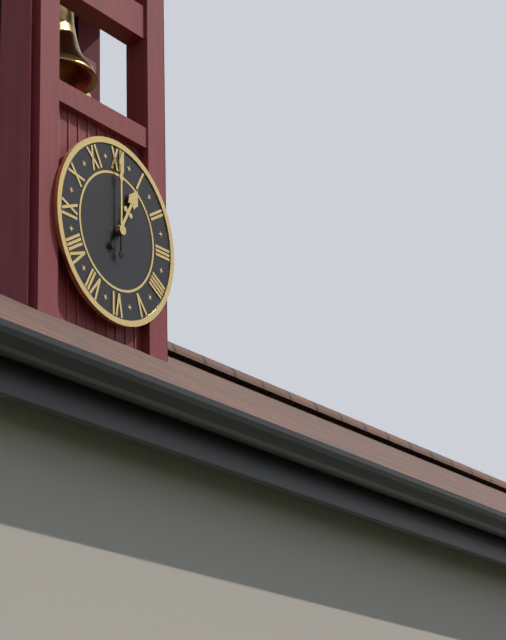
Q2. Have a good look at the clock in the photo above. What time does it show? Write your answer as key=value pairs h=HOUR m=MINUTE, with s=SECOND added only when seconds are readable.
h=1 m=0
